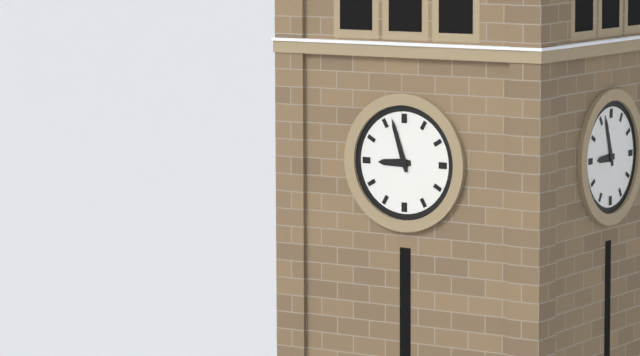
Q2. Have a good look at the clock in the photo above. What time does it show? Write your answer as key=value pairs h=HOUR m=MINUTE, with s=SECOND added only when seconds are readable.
h=8 m=57
